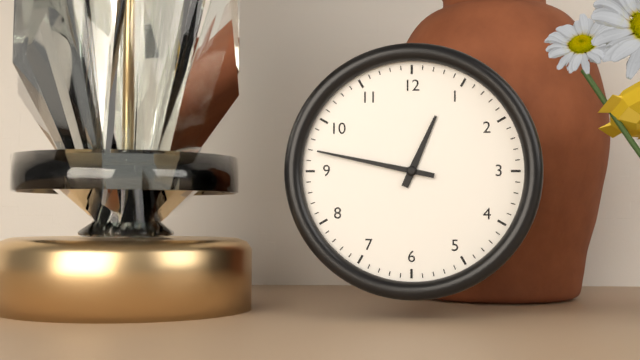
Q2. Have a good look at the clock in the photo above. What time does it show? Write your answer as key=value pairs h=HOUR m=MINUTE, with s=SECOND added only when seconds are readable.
h=12 m=47
